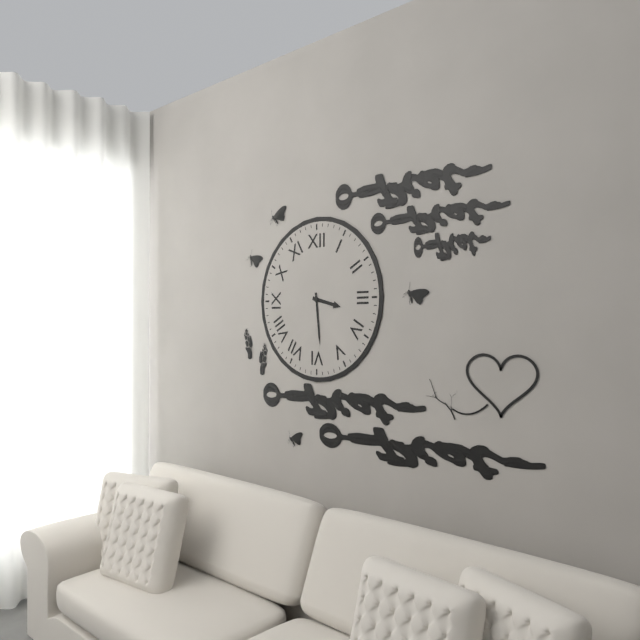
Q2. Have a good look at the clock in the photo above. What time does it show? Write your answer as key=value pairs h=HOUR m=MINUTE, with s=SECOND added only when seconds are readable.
h=3 m=29
